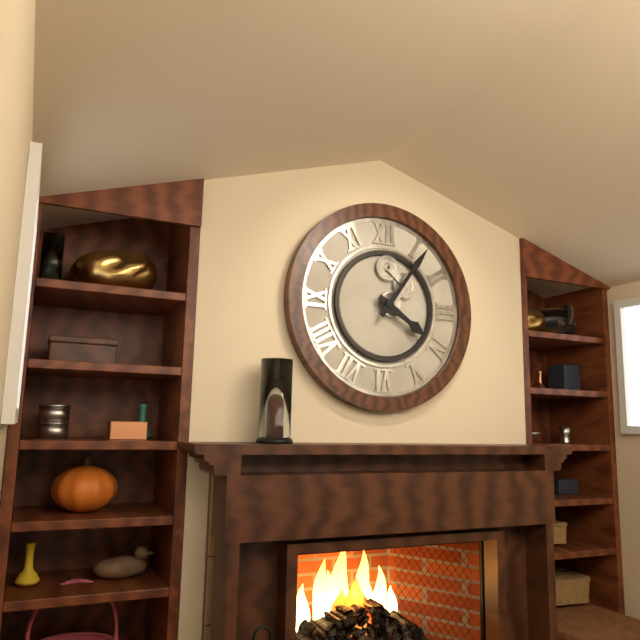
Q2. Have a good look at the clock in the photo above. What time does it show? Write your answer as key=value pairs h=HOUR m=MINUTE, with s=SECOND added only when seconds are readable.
h=4 m=6
